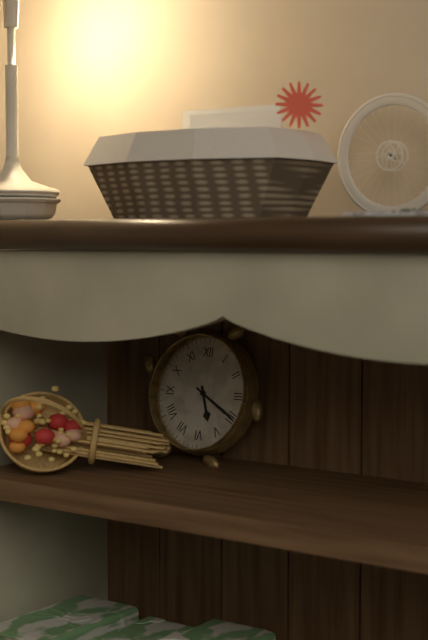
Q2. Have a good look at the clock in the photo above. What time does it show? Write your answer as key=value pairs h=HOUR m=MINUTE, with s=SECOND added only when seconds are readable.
h=5 m=20
